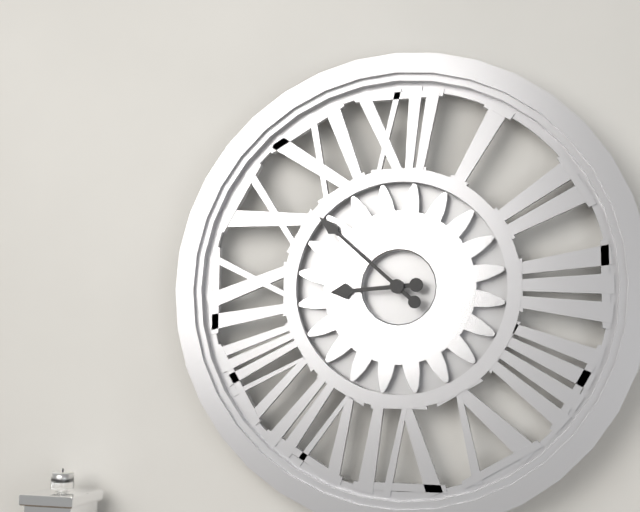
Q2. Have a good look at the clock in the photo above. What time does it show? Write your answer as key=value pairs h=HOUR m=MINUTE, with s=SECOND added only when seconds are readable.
h=8 m=52
